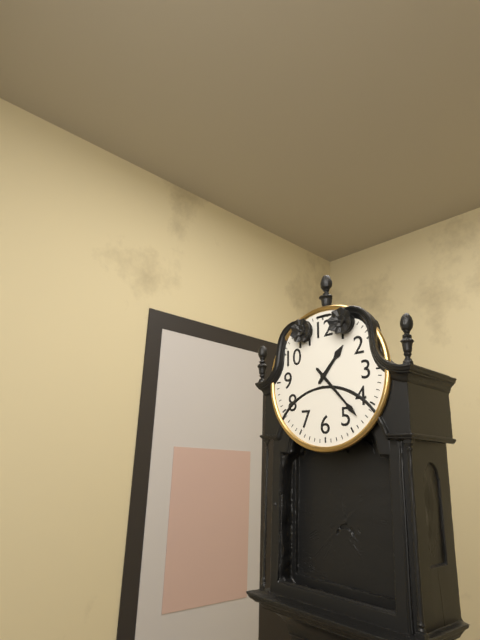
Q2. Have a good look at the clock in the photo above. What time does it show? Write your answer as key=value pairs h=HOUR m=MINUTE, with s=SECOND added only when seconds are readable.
h=1 m=23
